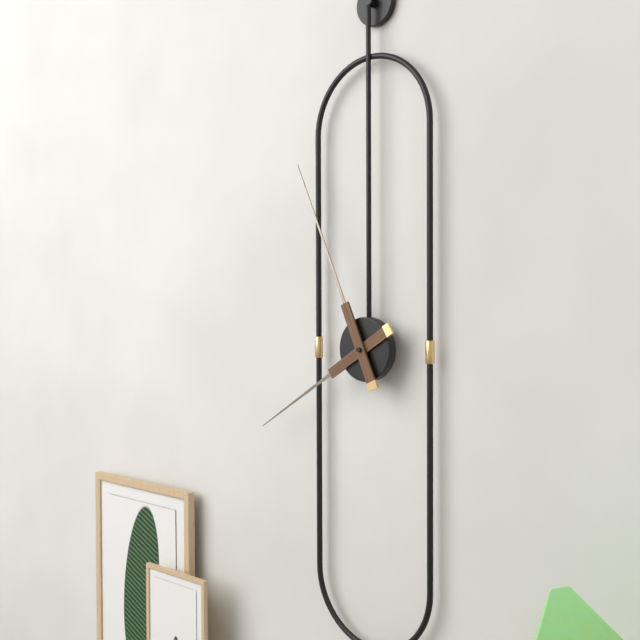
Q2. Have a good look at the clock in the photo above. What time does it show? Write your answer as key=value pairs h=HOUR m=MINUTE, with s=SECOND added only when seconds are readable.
h=7 m=56
